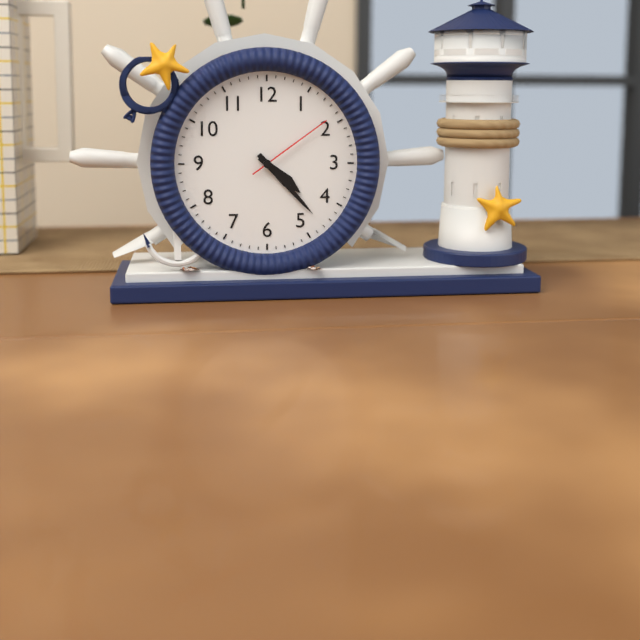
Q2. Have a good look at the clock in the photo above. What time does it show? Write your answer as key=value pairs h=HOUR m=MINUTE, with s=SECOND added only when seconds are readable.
h=4 m=23 s=9
